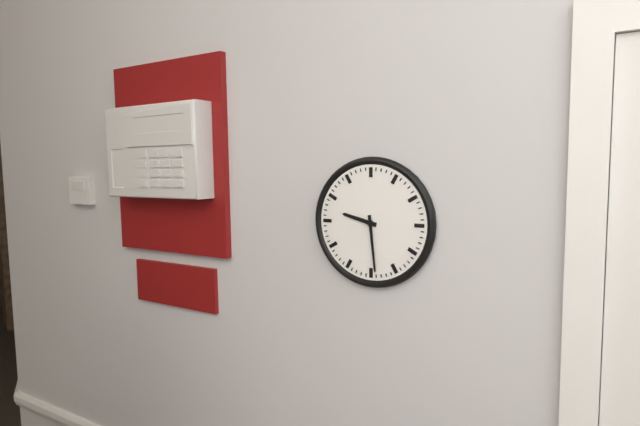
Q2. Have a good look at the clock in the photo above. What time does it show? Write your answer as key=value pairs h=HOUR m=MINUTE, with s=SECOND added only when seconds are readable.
h=9 m=29
